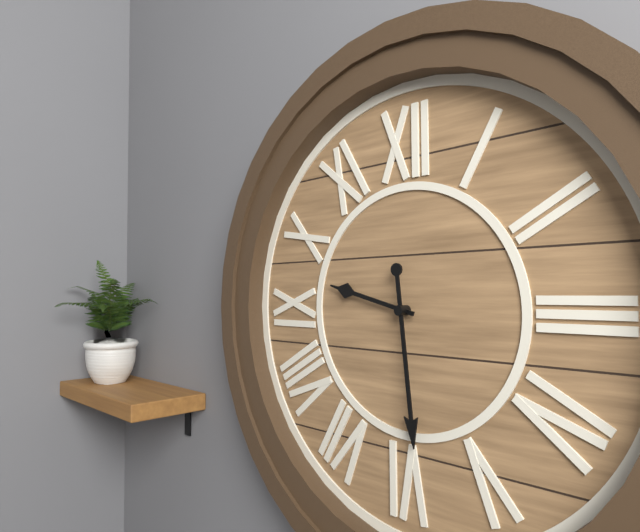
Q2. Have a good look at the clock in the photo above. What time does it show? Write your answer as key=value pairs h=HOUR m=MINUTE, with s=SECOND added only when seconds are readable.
h=9 m=29
